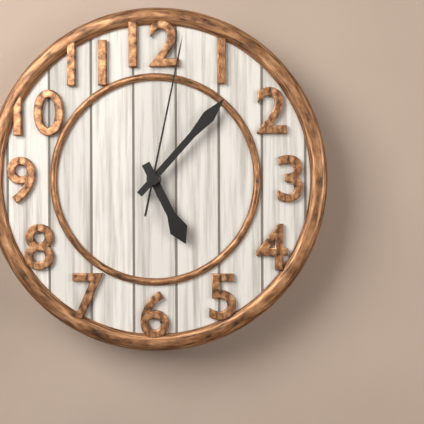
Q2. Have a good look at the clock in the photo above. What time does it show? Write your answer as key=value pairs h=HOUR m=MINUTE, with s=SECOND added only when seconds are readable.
h=5 m=7 s=2
